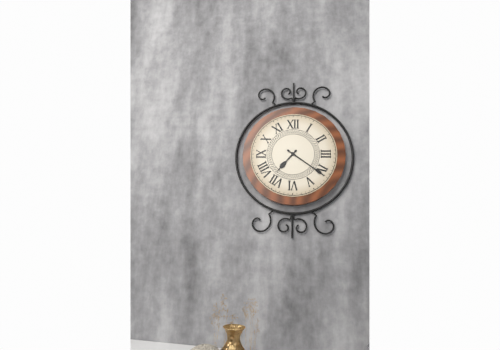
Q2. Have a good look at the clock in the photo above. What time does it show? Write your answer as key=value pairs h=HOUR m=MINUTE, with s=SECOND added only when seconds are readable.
h=7 m=21
